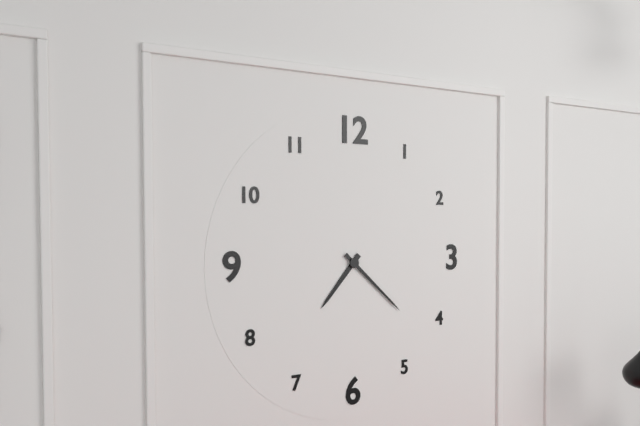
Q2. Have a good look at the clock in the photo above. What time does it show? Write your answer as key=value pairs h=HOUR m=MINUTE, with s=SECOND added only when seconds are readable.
h=7 m=22
